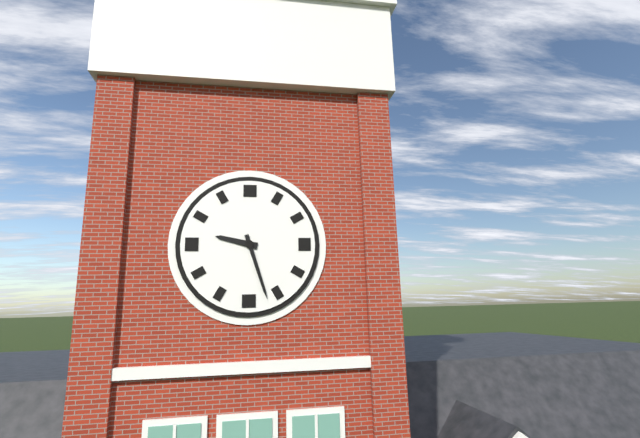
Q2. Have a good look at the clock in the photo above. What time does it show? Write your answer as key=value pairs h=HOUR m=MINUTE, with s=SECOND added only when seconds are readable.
h=9 m=27
